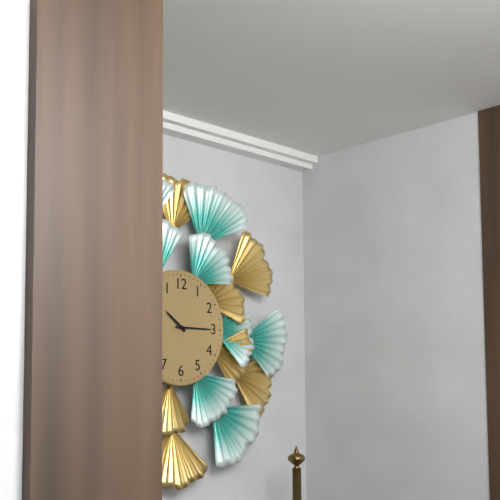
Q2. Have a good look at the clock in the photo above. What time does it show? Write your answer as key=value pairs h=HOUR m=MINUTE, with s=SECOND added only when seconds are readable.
h=10 m=15
